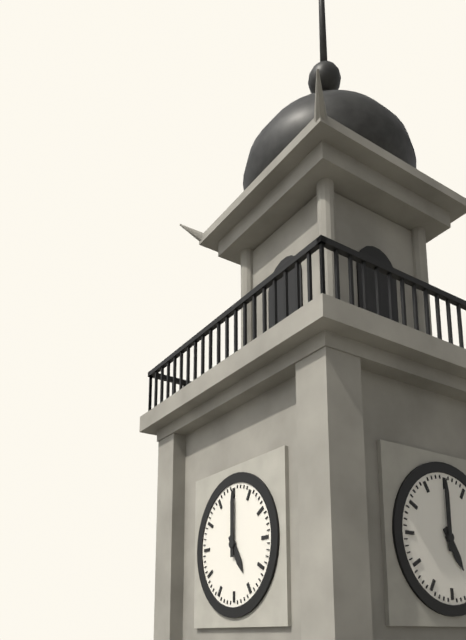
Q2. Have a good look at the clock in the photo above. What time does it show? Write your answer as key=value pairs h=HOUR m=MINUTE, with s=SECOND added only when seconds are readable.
h=5 m=0
